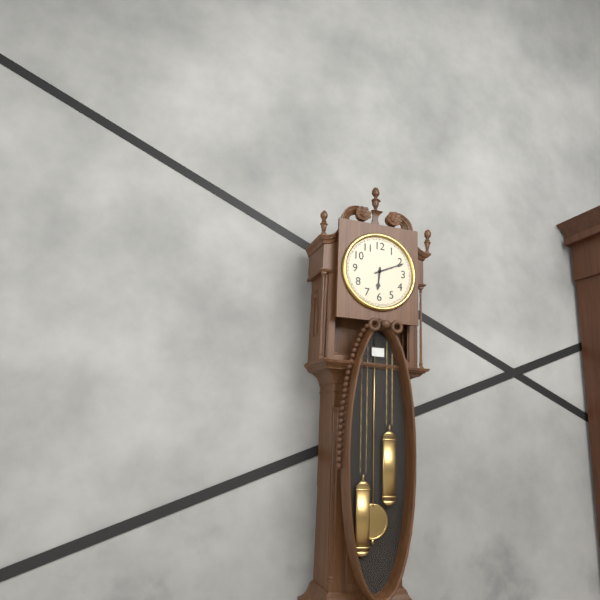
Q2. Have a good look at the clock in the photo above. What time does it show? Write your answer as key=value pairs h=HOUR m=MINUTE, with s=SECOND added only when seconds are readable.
h=6 m=11
